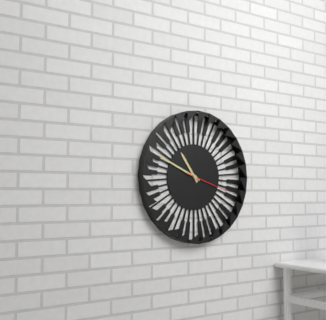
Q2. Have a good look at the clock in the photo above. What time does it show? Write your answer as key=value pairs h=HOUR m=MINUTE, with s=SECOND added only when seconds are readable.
h=10 m=49
